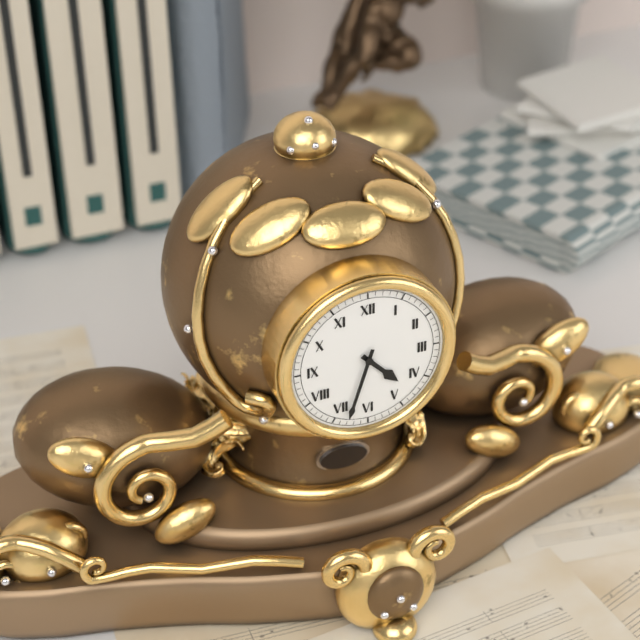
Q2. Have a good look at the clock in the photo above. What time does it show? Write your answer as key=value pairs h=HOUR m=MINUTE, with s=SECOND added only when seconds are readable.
h=4 m=33
